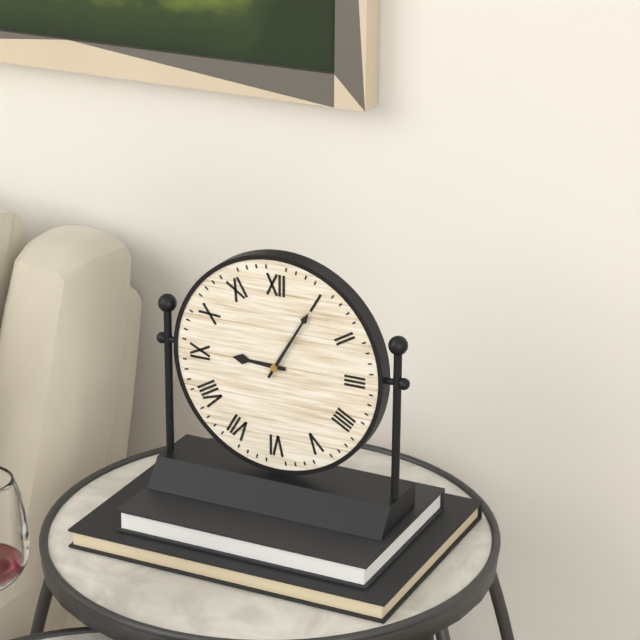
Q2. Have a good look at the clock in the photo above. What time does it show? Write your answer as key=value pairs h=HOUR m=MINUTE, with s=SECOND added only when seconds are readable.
h=9 m=5
